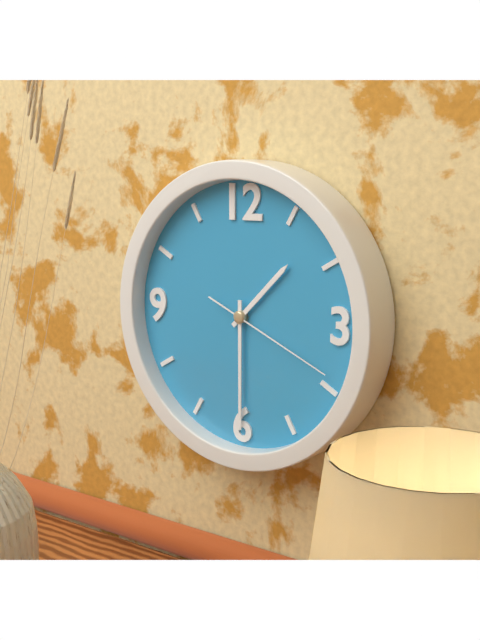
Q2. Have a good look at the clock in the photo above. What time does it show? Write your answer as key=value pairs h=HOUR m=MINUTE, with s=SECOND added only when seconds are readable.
h=1 m=30 s=19
